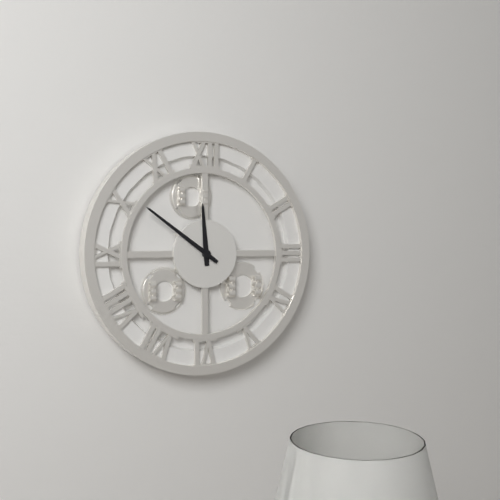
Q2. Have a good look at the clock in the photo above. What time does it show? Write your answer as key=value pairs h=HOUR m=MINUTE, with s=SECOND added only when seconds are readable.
h=11 m=51
